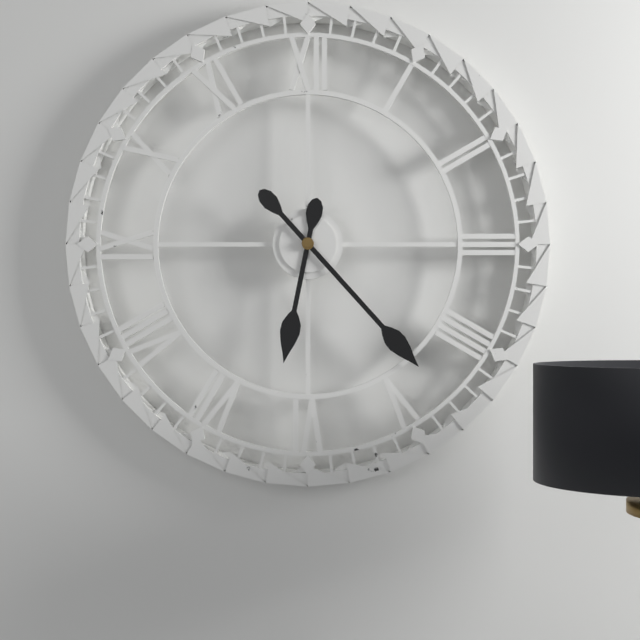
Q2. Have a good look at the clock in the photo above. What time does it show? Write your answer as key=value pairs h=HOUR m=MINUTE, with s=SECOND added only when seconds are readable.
h=6 m=23
